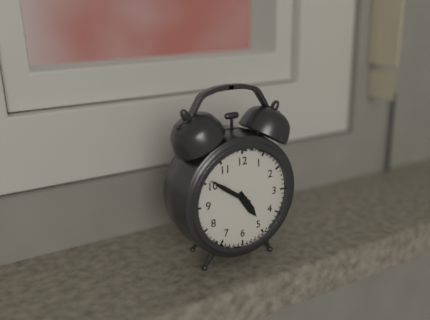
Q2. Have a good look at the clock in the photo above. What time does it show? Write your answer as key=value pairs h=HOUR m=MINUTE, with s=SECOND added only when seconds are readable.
h=4 m=51
